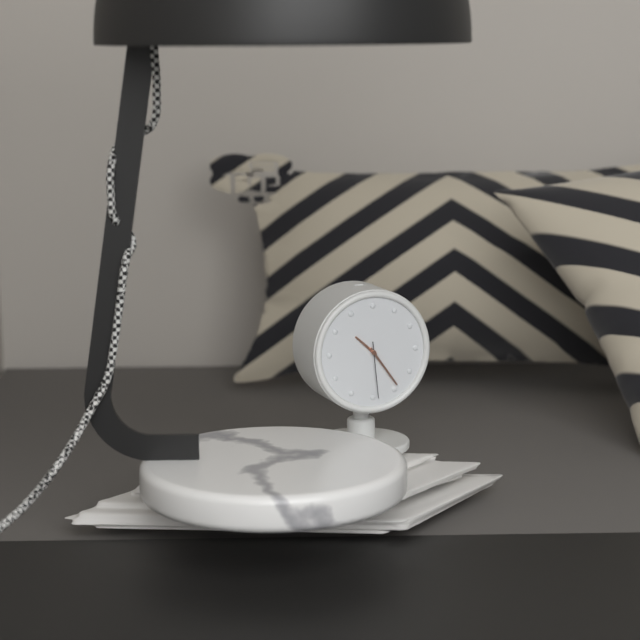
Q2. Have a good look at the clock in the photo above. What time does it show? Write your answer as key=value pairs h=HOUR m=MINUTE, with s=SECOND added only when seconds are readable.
h=10 m=24 s=29
